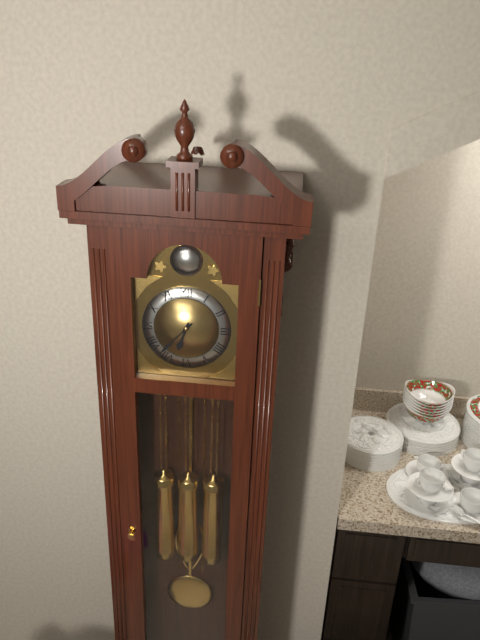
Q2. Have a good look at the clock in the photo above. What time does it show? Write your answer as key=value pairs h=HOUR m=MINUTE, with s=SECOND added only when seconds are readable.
h=6 m=37
